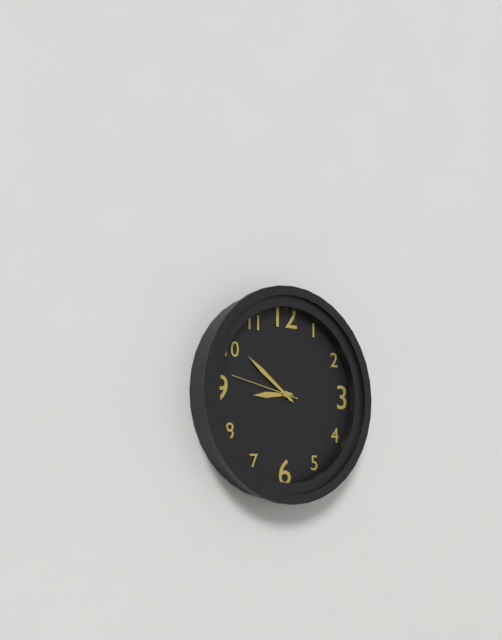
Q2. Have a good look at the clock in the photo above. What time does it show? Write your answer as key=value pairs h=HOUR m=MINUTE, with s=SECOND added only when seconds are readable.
h=8 m=51 s=47
